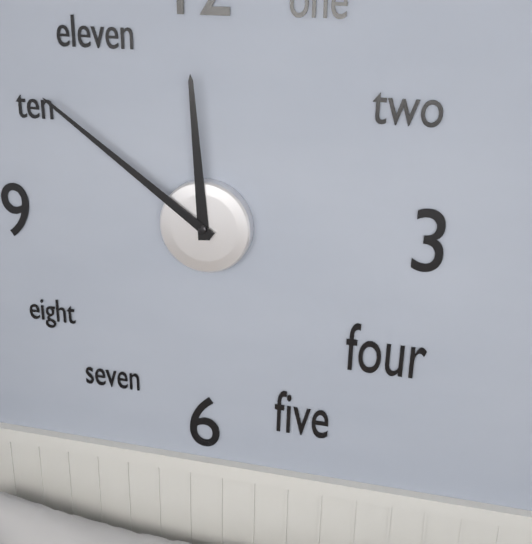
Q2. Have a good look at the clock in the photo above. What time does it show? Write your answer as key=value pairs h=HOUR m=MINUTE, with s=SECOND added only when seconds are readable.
h=11 m=51
